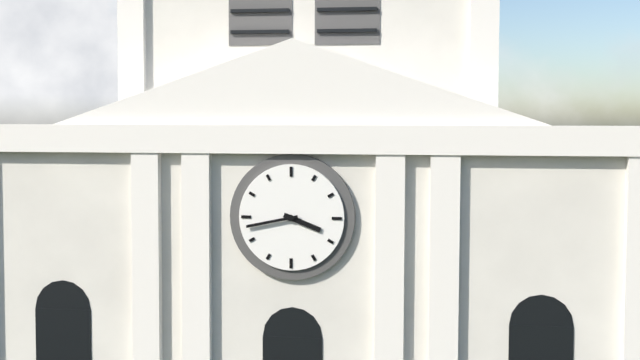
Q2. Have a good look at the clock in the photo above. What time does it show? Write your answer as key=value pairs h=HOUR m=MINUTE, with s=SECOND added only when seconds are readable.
h=3 m=43
